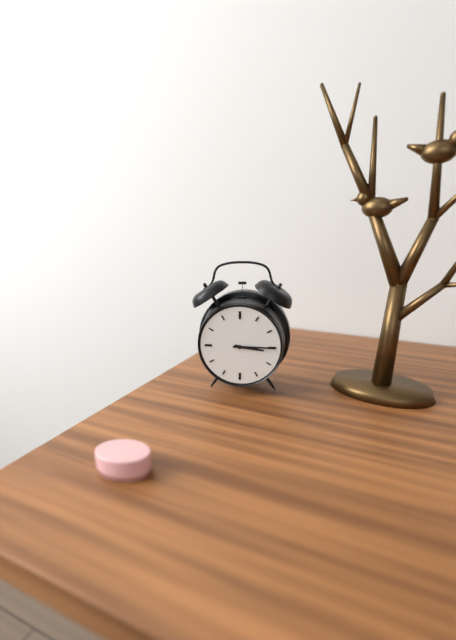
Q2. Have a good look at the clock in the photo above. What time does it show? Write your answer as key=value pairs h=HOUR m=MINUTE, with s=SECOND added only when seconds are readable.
h=3 m=15
